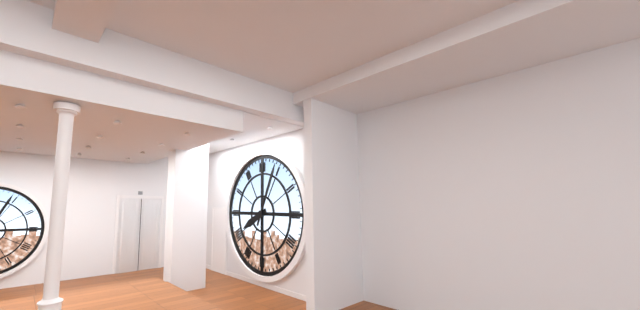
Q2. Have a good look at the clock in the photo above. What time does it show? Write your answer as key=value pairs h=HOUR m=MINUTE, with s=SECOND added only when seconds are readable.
h=8 m=4
